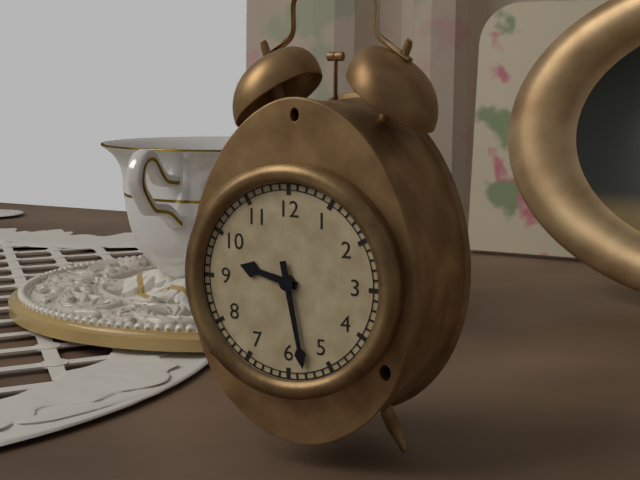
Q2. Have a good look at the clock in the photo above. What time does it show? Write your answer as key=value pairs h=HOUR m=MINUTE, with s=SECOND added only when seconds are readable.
h=9 m=28
